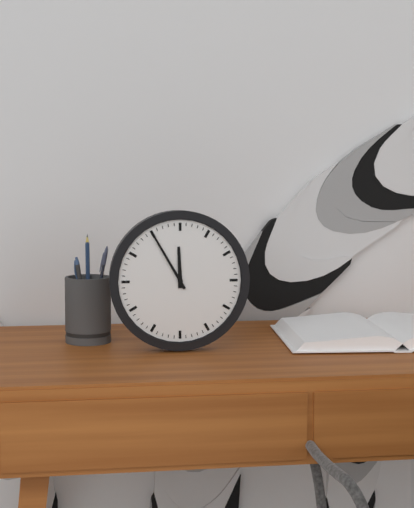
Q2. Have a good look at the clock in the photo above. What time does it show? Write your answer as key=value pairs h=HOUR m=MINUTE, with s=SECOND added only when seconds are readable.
h=11 m=55
